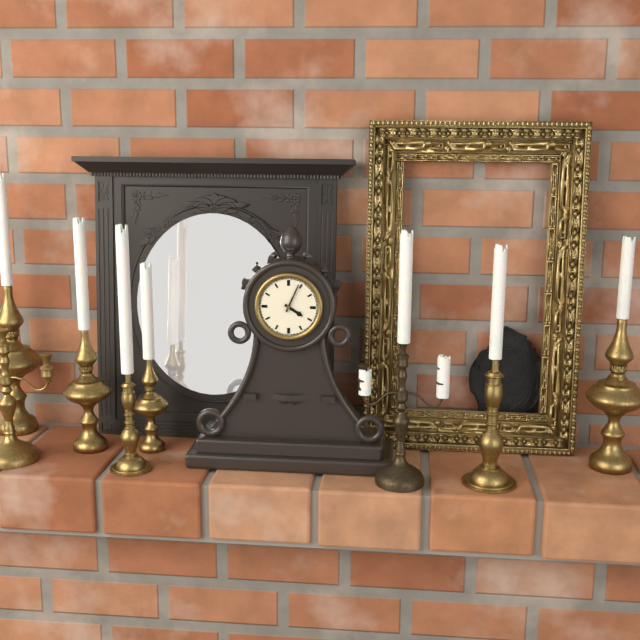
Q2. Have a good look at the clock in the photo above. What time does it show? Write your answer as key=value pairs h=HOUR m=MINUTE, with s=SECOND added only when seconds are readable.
h=4 m=4
